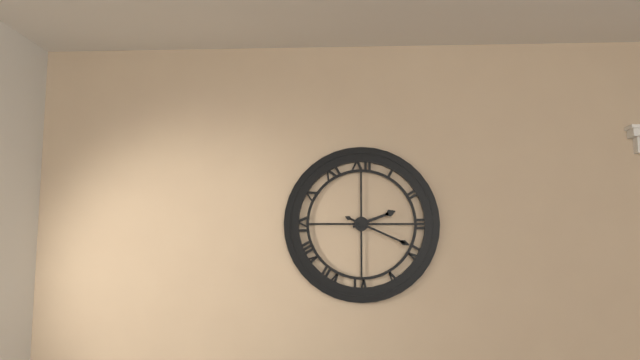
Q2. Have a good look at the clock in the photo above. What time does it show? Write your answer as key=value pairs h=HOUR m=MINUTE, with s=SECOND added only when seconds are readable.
h=2 m=19
